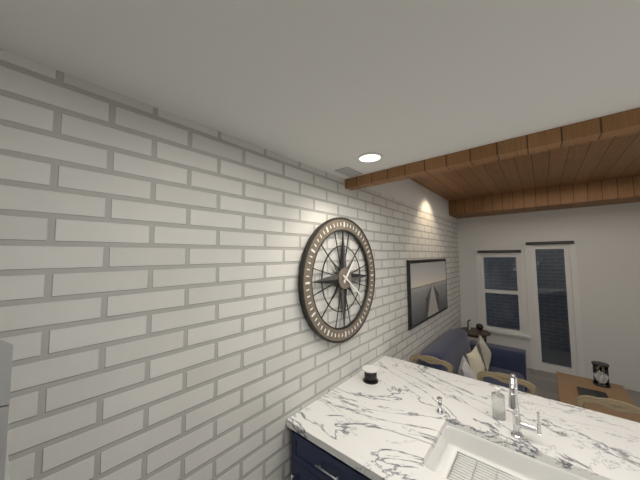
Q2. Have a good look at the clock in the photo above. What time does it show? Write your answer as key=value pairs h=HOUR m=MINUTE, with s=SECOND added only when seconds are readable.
h=1 m=21
